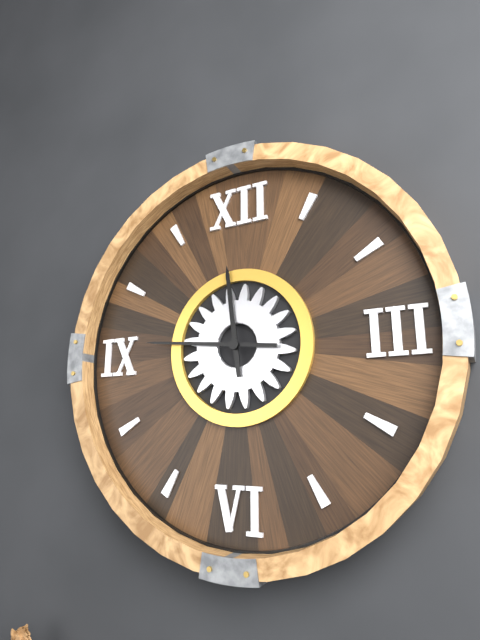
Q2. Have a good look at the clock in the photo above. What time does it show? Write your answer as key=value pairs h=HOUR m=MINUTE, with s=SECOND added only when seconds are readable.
h=11 m=46
